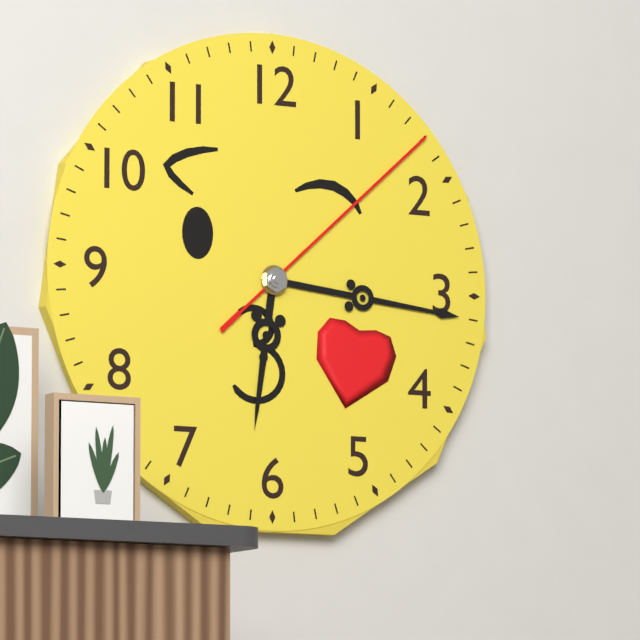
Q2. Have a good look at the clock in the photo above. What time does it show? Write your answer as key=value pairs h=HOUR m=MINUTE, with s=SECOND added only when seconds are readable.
h=6 m=16 s=8
